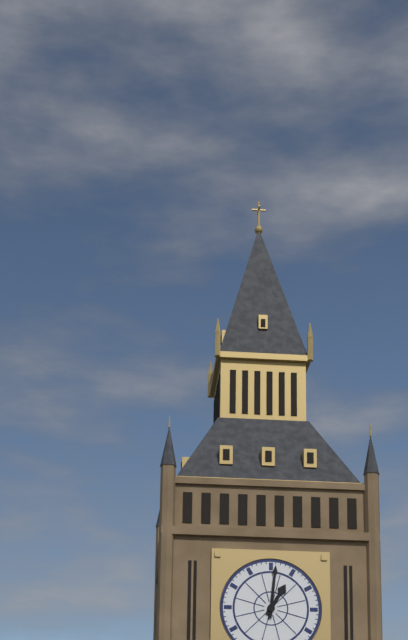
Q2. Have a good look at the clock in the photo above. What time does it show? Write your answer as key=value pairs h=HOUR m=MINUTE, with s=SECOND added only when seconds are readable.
h=1 m=1
